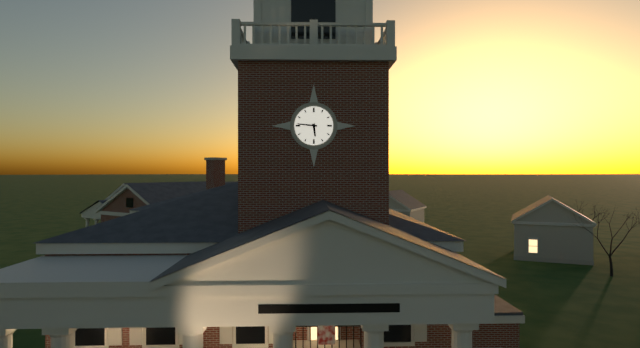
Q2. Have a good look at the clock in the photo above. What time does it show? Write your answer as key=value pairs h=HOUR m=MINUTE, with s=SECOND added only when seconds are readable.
h=5 m=46
